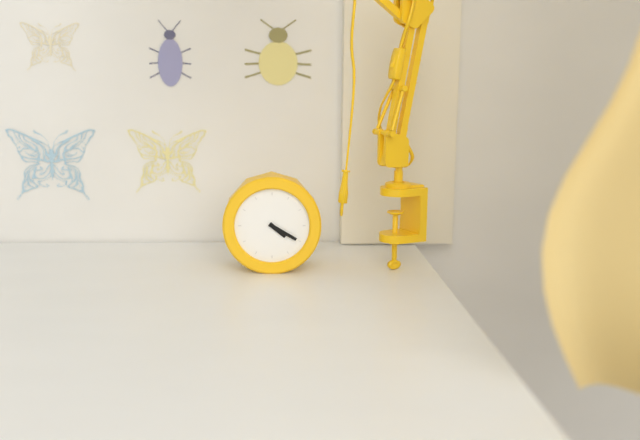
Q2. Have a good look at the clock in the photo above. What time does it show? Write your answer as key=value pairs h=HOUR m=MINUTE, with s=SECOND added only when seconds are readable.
h=4 m=20
